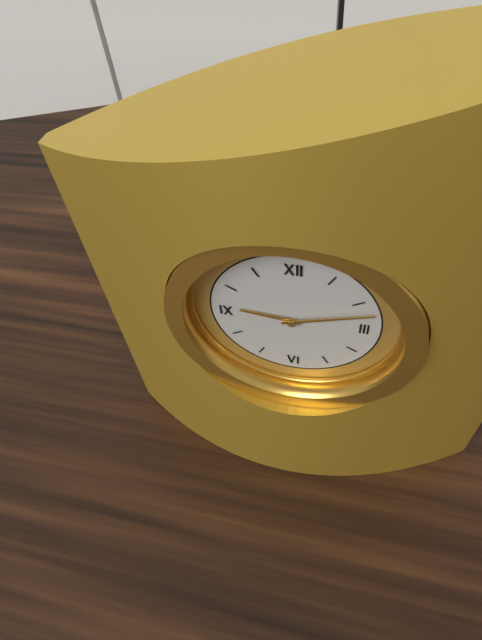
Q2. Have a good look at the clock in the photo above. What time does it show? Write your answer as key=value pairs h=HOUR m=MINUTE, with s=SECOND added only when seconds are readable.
h=9 m=12
